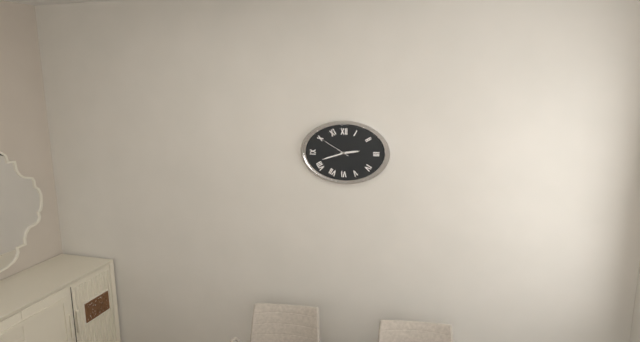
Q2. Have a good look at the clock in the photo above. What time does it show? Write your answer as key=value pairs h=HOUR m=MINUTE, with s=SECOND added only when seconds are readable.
h=2 m=42
